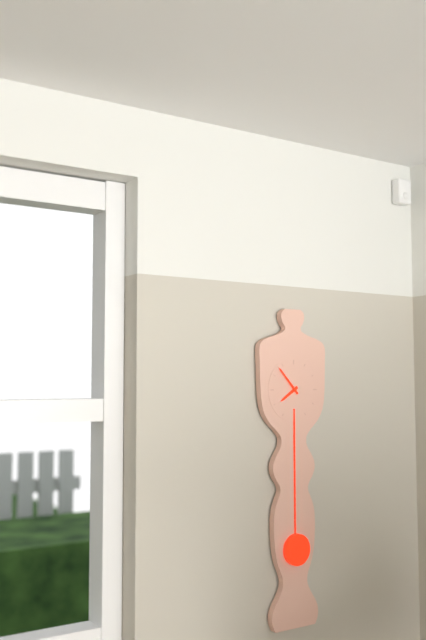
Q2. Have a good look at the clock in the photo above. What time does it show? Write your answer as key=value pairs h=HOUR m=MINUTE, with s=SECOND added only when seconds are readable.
h=7 m=53
